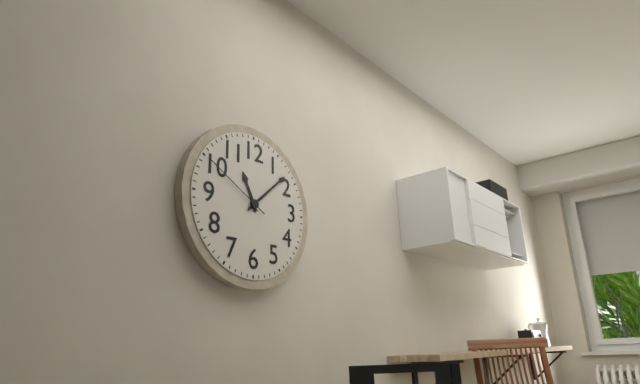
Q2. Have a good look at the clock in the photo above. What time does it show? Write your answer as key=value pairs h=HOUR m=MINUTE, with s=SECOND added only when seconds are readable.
h=11 m=8 s=50
